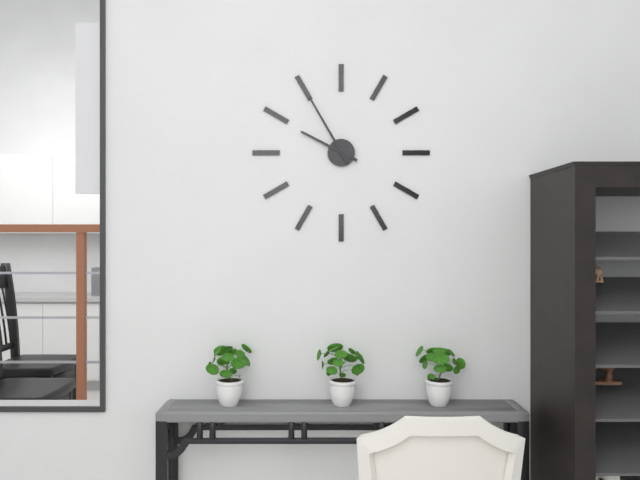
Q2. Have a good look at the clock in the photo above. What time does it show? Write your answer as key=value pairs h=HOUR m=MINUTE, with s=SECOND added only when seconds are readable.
h=9 m=55
